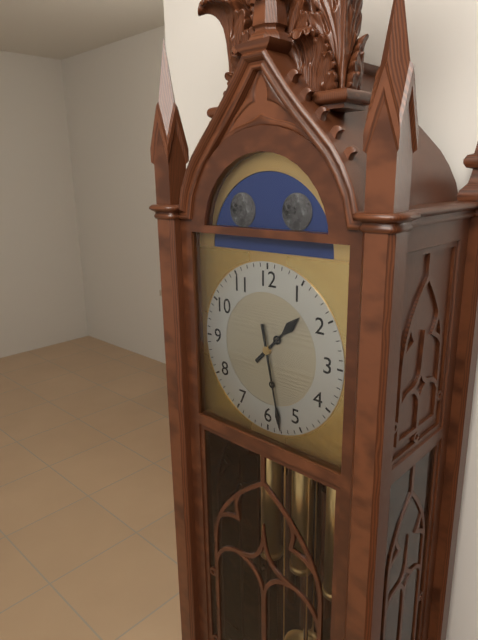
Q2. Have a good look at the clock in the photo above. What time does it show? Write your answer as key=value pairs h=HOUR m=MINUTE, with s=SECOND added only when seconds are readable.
h=1 m=28
